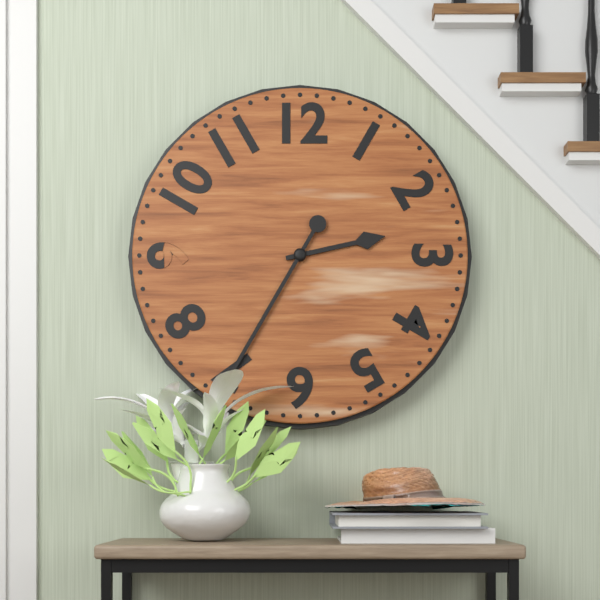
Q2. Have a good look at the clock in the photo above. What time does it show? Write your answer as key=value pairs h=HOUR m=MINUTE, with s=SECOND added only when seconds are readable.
h=2 m=35
